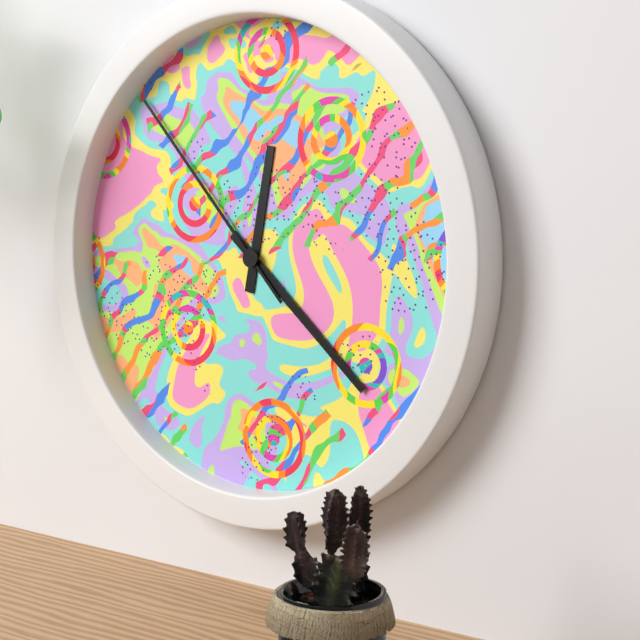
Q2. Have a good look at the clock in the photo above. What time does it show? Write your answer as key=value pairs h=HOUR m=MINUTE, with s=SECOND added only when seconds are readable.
h=12 m=22 s=53
